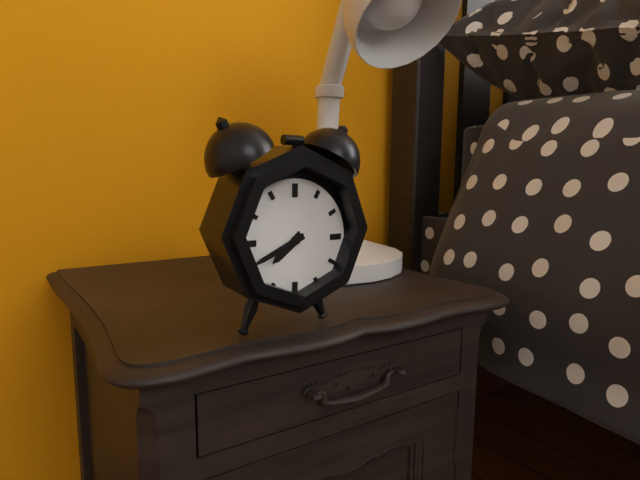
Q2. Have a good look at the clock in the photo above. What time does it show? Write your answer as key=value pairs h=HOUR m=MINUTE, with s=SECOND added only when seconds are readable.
h=7 m=41
